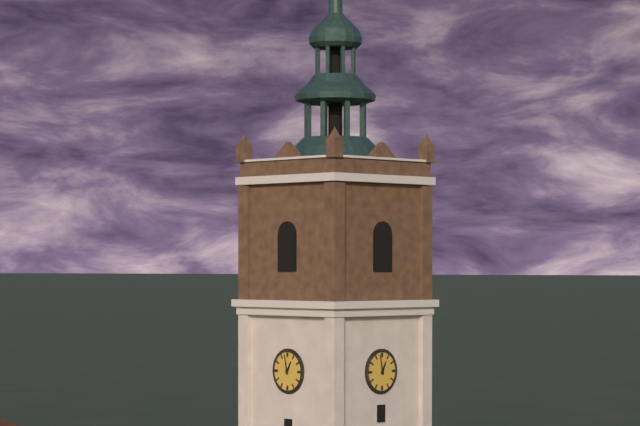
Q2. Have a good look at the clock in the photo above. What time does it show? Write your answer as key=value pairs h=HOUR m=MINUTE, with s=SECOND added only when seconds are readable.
h=12 m=58
